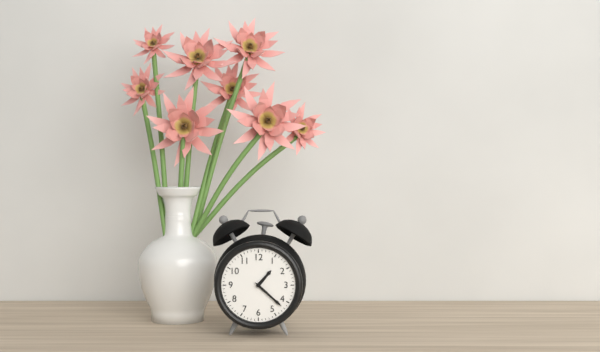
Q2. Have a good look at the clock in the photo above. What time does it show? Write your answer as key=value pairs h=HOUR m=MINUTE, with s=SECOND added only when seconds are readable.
h=1 m=22
